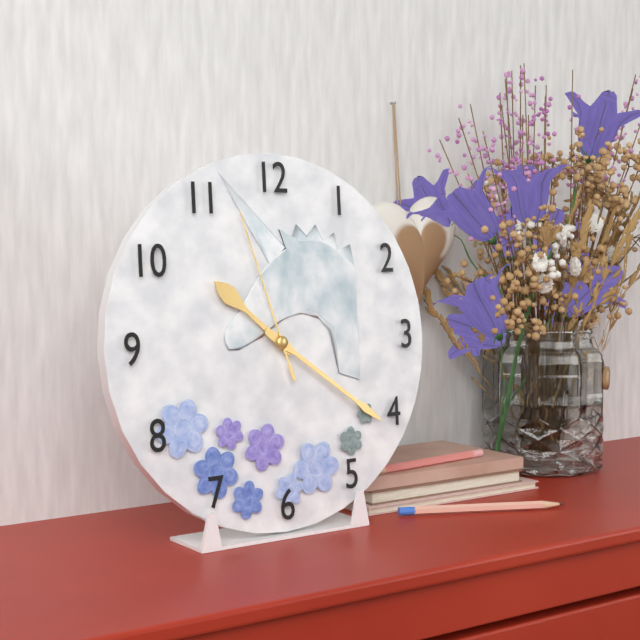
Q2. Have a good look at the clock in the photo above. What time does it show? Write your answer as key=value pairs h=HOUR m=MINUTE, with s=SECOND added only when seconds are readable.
h=10 m=21 s=57
